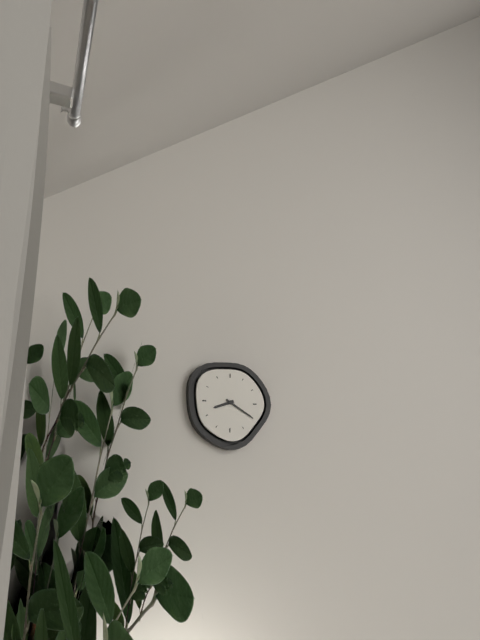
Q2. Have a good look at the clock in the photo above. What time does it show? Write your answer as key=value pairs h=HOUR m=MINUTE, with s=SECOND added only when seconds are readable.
h=8 m=20
